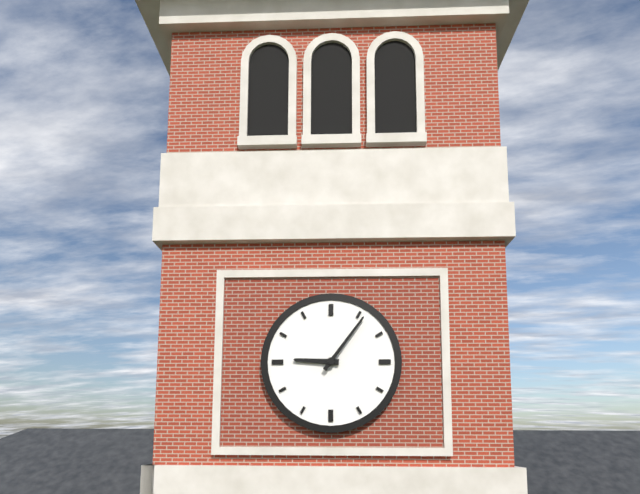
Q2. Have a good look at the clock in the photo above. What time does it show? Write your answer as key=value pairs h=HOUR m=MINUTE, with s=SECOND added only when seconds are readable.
h=9 m=6
